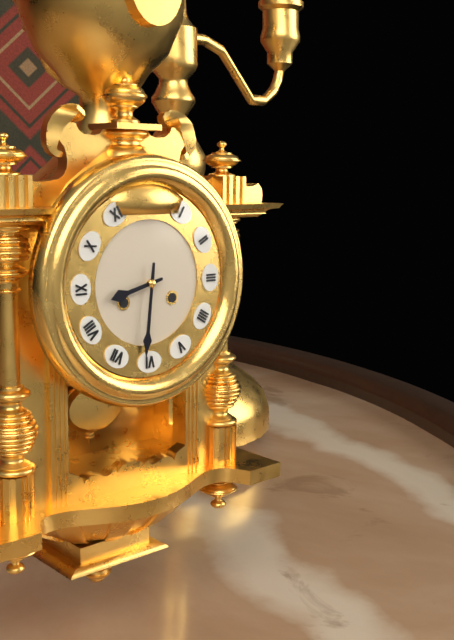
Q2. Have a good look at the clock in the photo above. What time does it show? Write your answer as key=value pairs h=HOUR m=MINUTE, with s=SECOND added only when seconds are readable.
h=8 m=31
